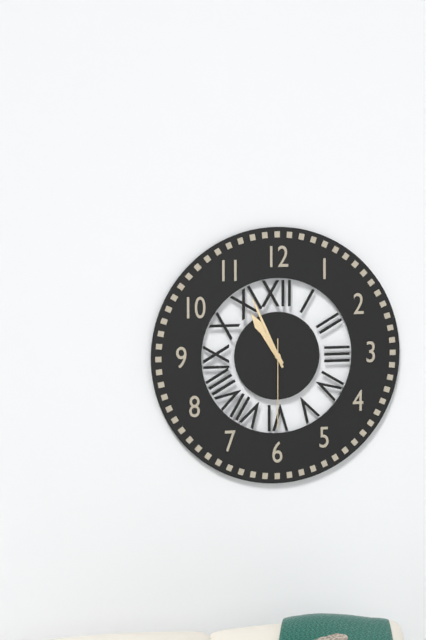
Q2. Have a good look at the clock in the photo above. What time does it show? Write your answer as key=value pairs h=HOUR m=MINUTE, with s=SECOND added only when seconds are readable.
h=10 m=56 s=30
